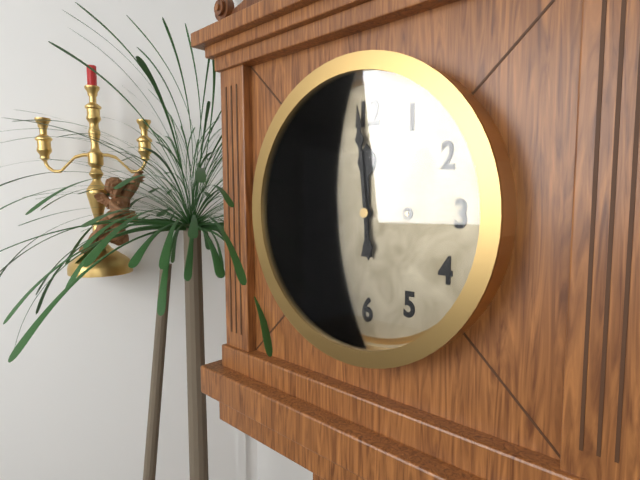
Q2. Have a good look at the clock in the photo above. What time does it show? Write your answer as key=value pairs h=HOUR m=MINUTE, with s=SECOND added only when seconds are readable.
h=11 m=59
